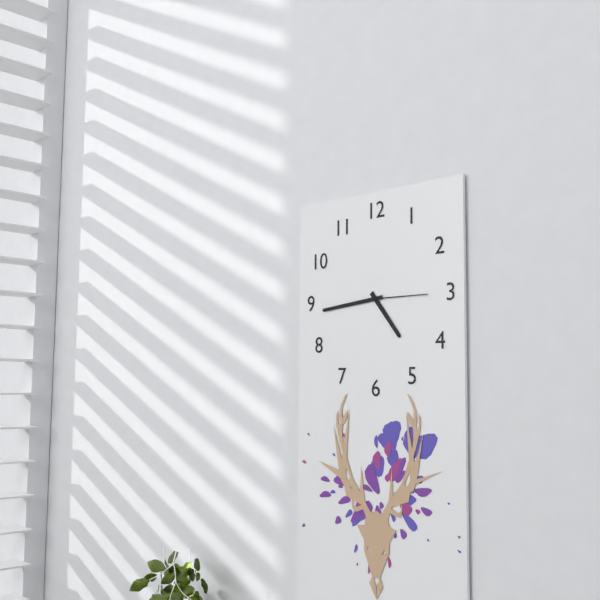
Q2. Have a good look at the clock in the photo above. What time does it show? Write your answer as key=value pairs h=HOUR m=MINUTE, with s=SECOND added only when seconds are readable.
h=4 m=44 s=15
